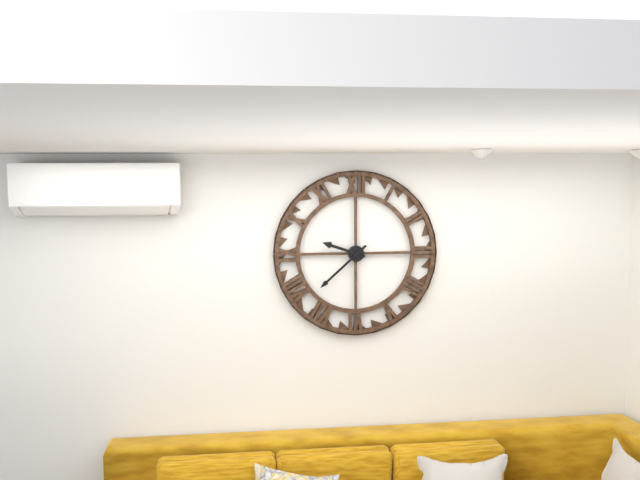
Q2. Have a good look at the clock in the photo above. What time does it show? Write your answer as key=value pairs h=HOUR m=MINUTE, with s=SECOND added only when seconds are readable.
h=9 m=38
